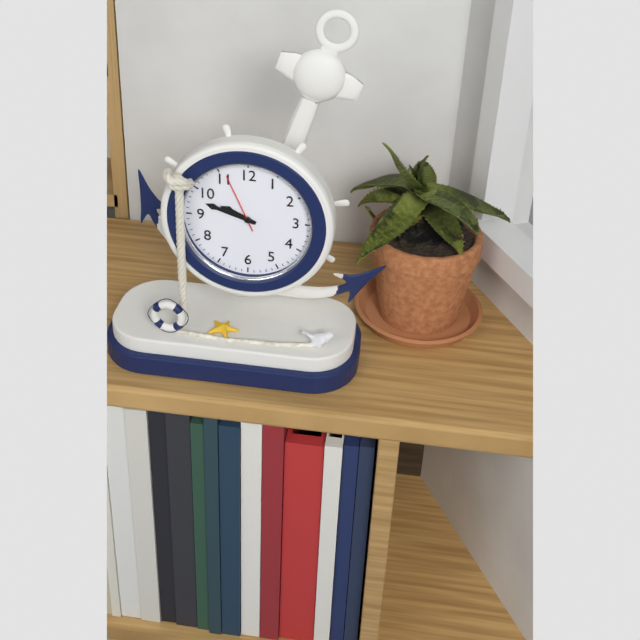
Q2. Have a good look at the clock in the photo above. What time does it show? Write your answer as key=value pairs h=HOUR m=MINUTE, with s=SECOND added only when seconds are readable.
h=9 m=48 s=56
